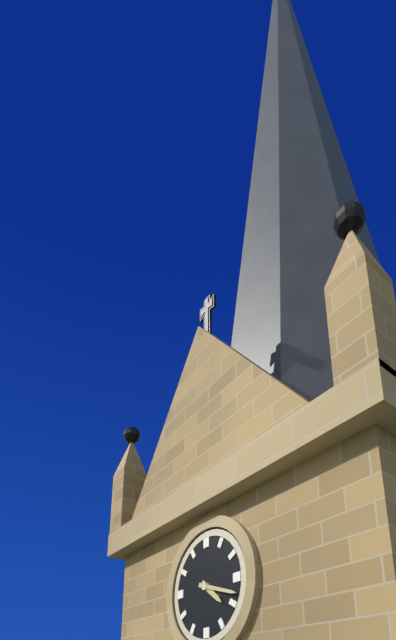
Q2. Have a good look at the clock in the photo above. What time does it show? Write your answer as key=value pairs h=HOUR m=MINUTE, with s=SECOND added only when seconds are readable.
h=4 m=18
